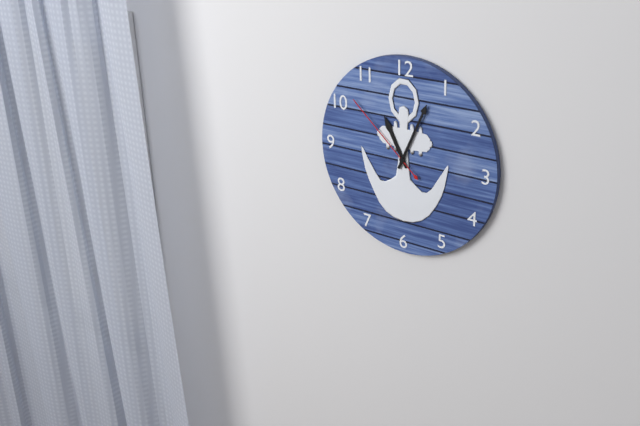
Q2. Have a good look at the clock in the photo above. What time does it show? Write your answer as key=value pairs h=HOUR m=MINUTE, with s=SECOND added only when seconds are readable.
h=11 m=4 s=52
